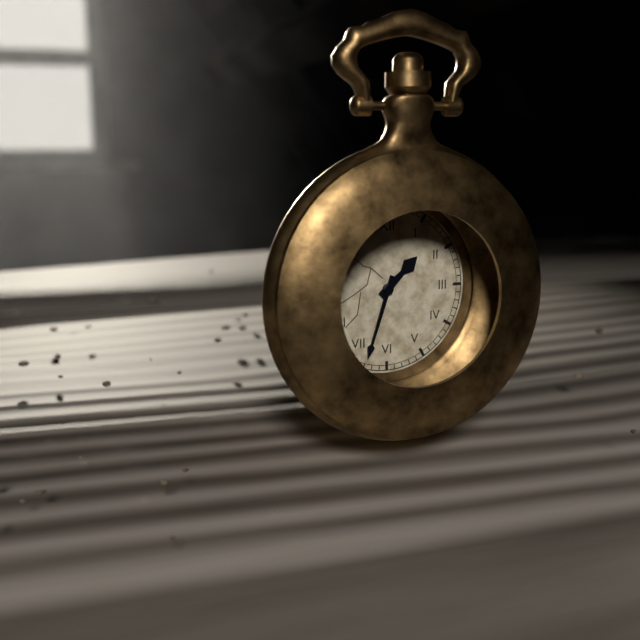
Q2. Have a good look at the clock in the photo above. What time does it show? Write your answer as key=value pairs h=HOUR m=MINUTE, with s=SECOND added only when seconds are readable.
h=1 m=33
